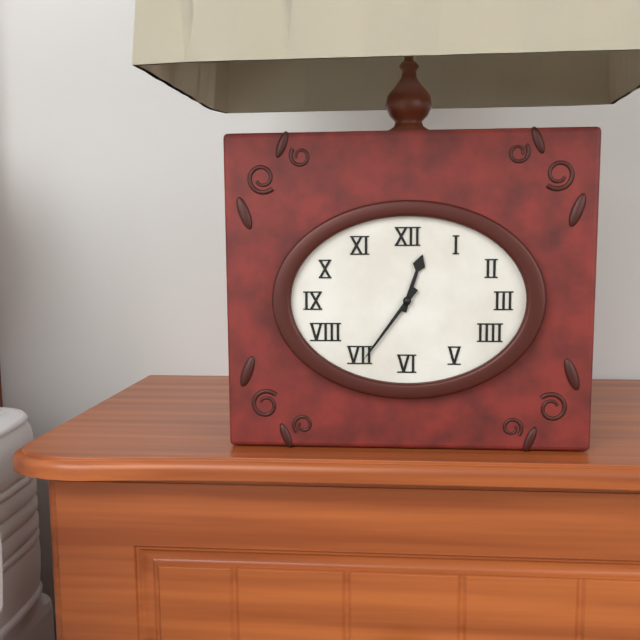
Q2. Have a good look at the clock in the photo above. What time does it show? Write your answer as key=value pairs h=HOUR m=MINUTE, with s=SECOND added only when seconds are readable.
h=12 m=36
